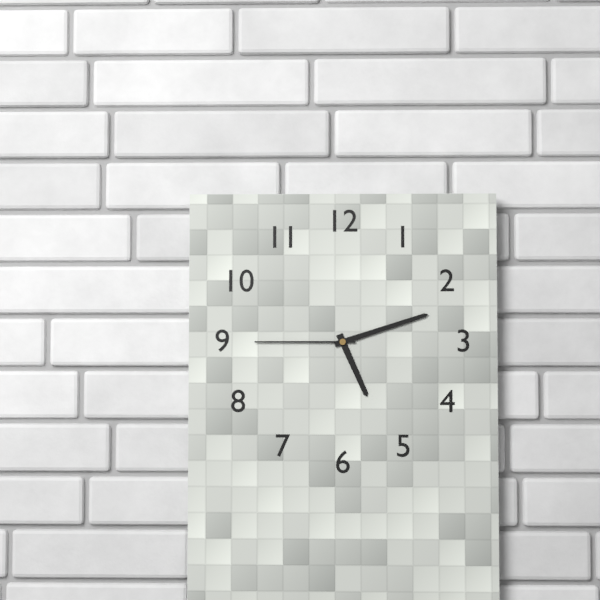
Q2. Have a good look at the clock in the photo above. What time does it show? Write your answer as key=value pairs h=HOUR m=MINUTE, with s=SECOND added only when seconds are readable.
h=5 m=12 s=45
